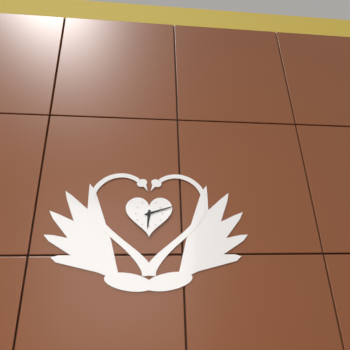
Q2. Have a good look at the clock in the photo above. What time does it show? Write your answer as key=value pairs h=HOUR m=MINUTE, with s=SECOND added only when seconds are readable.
h=6 m=12
